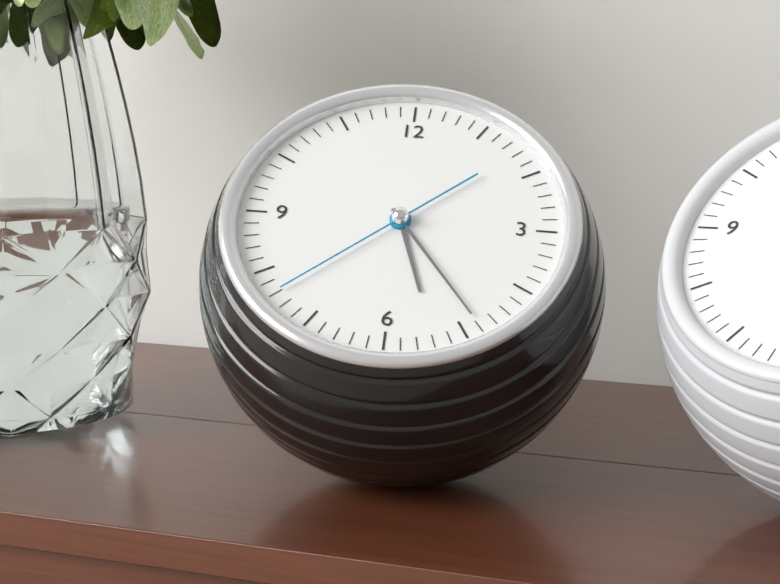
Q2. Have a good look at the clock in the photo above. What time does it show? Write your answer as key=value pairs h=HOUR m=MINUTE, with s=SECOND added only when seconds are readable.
h=5 m=24 s=38
